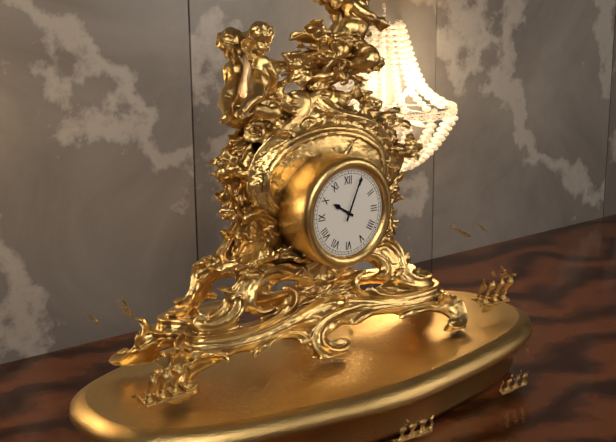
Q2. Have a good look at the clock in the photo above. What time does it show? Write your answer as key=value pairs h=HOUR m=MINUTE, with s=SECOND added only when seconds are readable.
h=10 m=4
